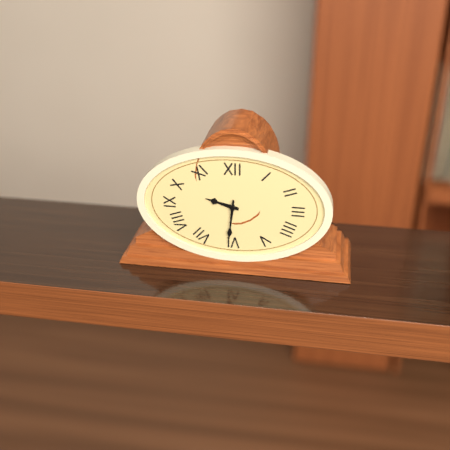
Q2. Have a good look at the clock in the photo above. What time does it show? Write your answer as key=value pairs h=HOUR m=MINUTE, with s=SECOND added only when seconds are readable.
h=9 m=31
